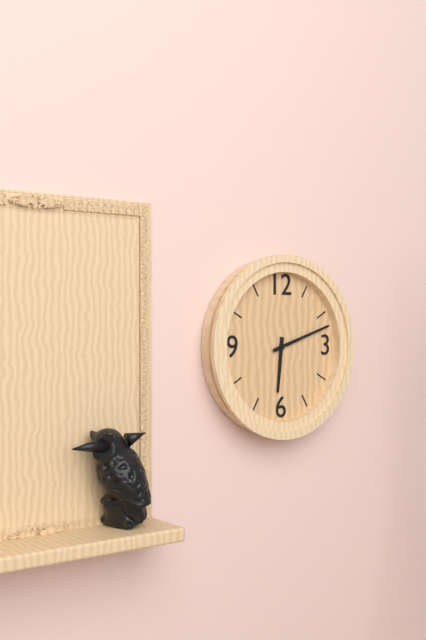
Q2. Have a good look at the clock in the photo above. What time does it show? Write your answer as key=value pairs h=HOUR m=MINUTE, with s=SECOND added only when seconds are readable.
h=6 m=12
